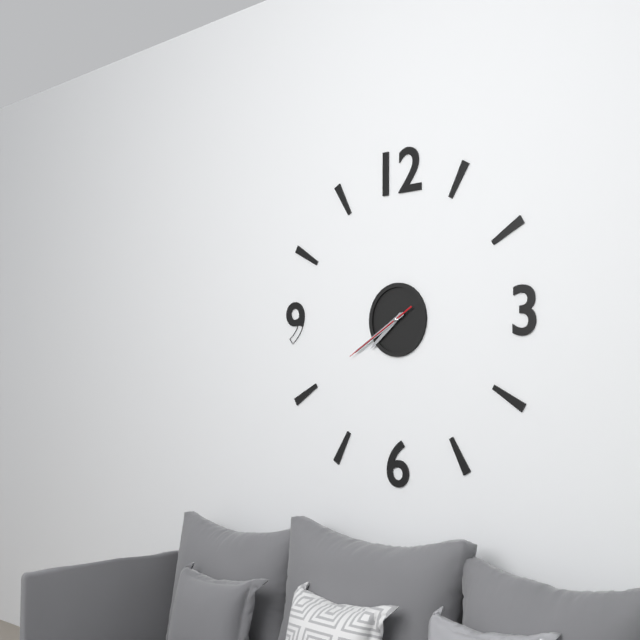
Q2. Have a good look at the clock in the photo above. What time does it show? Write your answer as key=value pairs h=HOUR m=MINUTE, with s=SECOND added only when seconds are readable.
h=7 m=40 s=40
